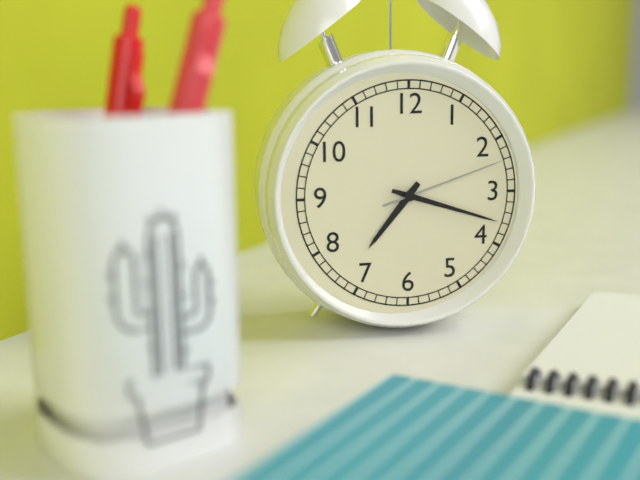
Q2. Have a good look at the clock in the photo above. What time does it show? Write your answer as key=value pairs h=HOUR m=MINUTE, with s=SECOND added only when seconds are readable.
h=7 m=18 s=12
